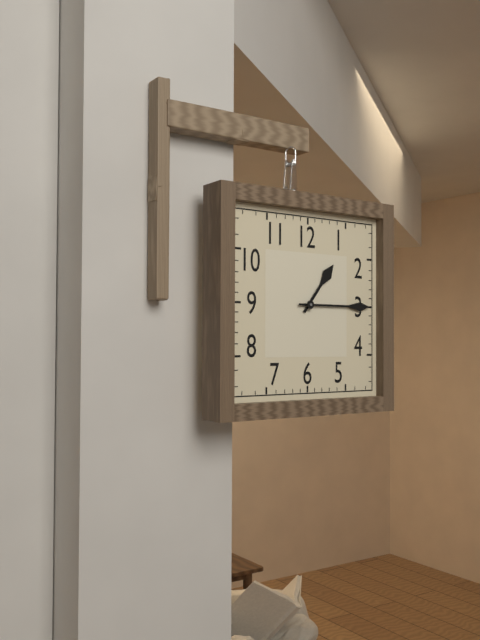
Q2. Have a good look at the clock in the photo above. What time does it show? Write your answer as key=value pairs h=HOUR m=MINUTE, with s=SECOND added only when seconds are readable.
h=1 m=15
